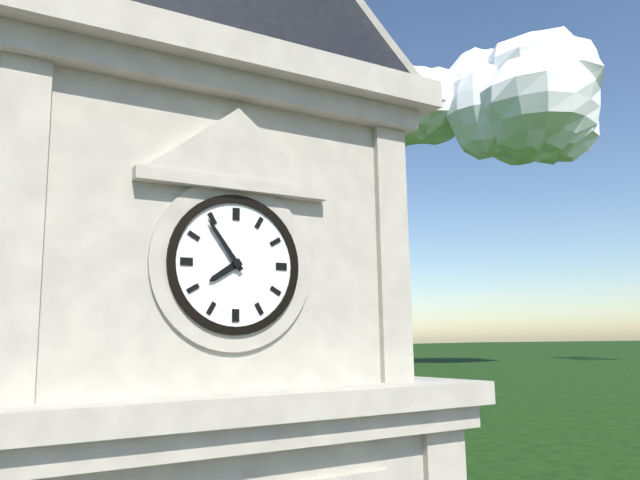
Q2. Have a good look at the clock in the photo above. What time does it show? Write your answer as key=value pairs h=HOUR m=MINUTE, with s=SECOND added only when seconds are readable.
h=7 m=54
